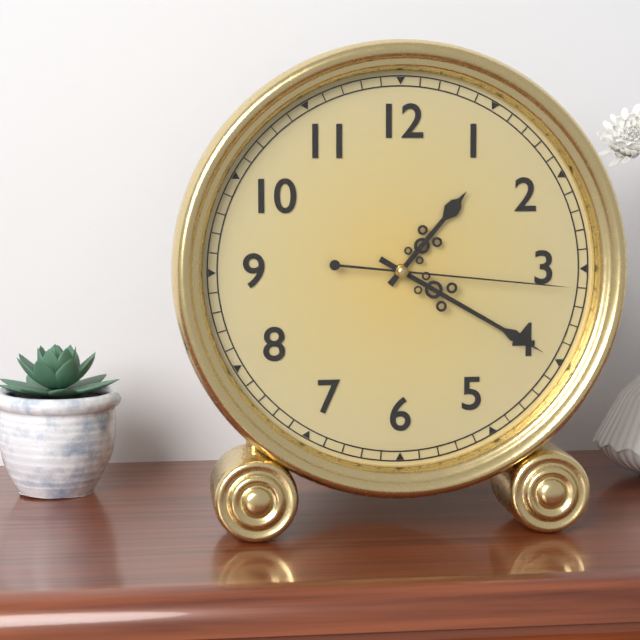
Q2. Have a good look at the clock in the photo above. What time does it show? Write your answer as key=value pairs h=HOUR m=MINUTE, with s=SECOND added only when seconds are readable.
h=1 m=20 s=16
